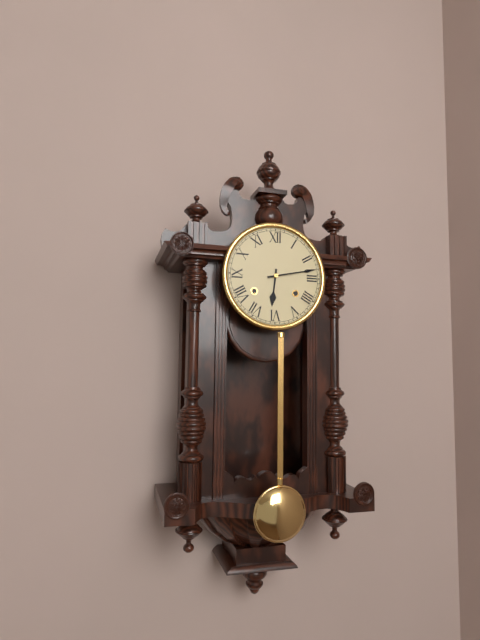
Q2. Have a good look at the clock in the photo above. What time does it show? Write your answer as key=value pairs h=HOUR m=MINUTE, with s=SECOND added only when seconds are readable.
h=6 m=13
